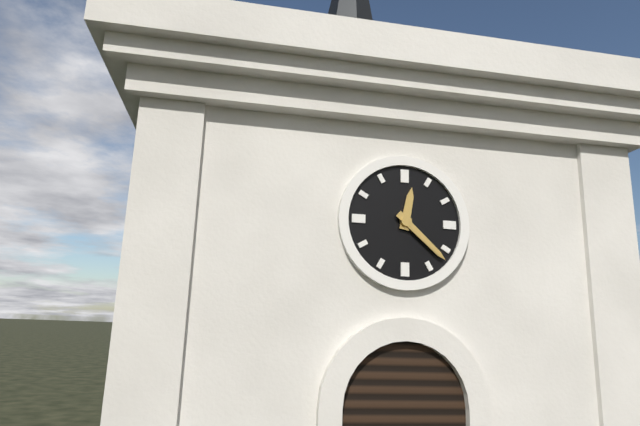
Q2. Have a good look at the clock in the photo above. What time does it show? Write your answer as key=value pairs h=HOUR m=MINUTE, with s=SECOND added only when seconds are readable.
h=12 m=22
